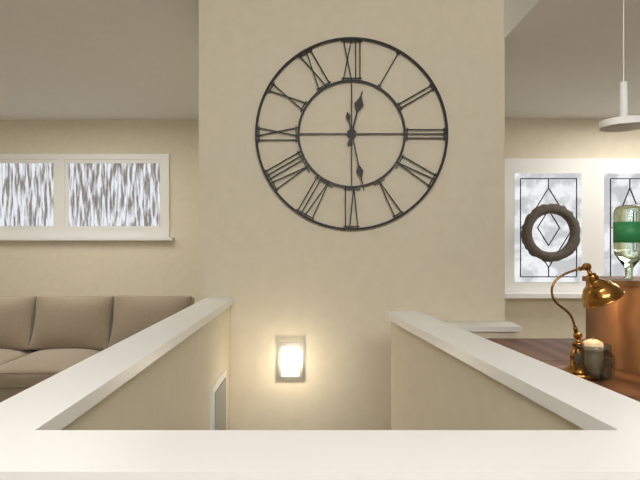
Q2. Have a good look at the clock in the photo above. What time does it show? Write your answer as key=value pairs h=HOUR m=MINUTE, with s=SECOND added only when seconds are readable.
h=12 m=28
